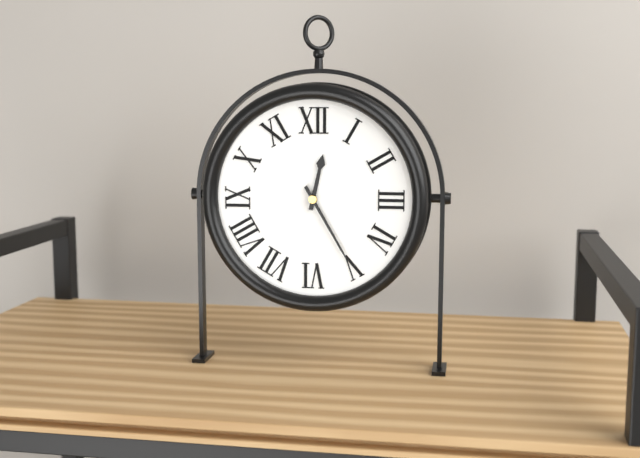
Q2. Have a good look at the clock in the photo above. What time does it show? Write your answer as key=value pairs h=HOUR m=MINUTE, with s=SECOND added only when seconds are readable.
h=12 m=25
